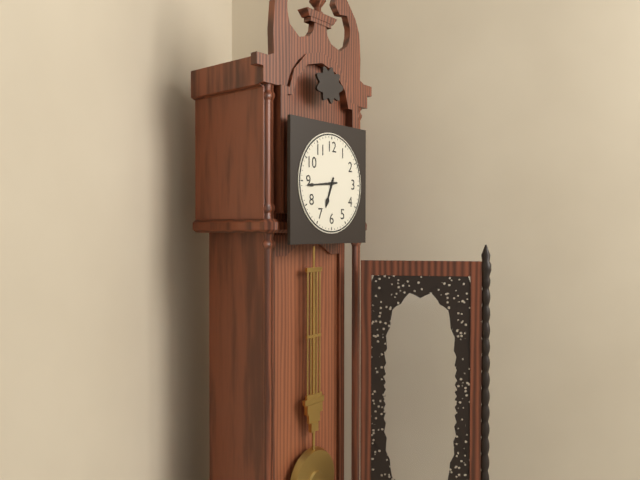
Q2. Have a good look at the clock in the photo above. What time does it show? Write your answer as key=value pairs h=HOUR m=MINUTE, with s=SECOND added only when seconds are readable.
h=6 m=44
